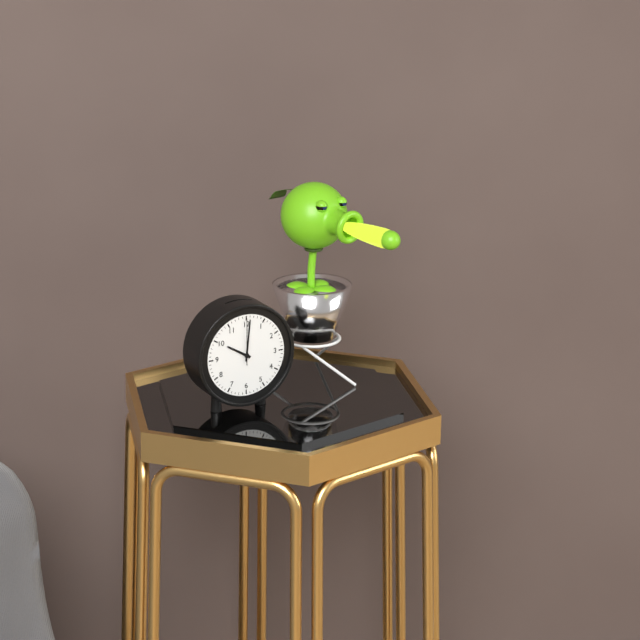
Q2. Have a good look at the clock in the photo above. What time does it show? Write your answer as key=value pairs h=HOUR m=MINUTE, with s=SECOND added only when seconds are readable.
h=10 m=1
